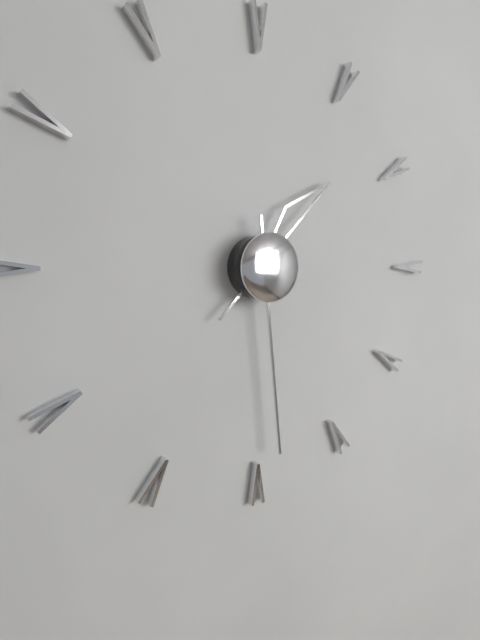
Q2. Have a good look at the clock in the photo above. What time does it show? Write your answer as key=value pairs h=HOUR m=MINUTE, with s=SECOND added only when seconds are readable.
h=1 m=29
